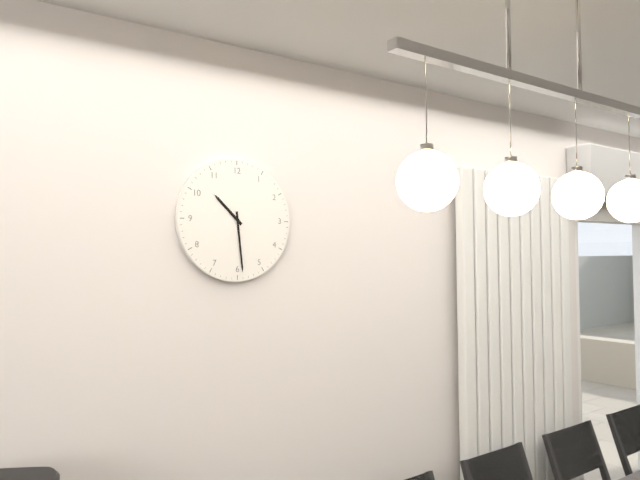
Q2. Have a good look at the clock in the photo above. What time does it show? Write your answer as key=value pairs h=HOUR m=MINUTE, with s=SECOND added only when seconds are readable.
h=10 m=29
